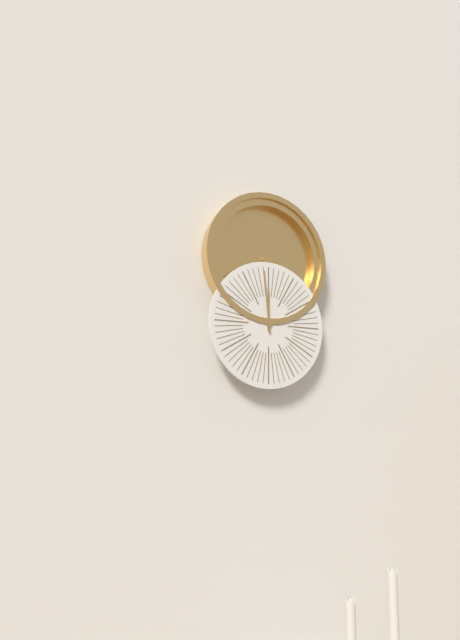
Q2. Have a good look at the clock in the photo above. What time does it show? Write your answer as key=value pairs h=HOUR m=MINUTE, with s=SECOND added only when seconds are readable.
h=11 m=59
